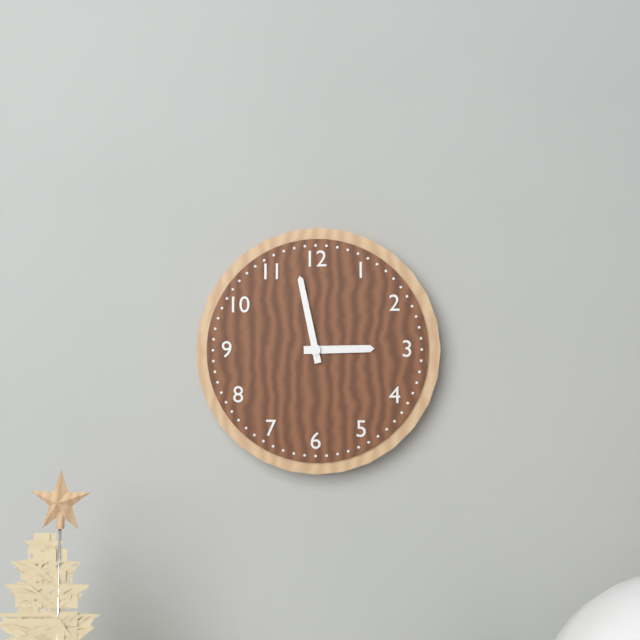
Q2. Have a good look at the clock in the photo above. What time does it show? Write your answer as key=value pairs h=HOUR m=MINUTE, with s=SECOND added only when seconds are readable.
h=2 m=58
